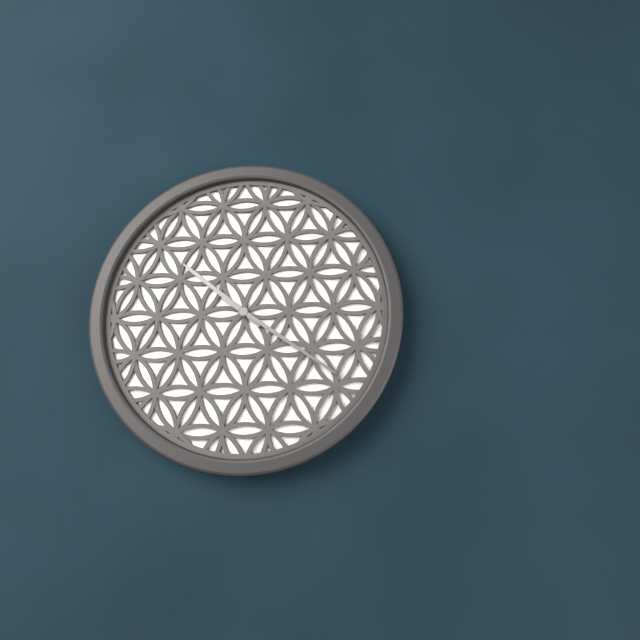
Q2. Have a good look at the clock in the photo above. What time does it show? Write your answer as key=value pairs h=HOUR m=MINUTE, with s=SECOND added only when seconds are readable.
h=10 m=21
